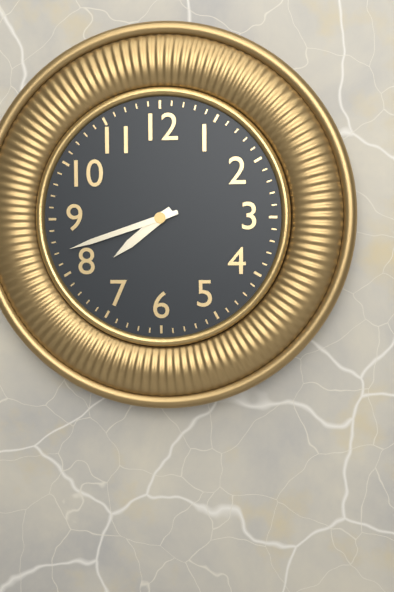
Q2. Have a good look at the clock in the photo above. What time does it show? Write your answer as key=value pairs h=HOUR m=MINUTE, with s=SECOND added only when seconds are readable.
h=7 m=42
